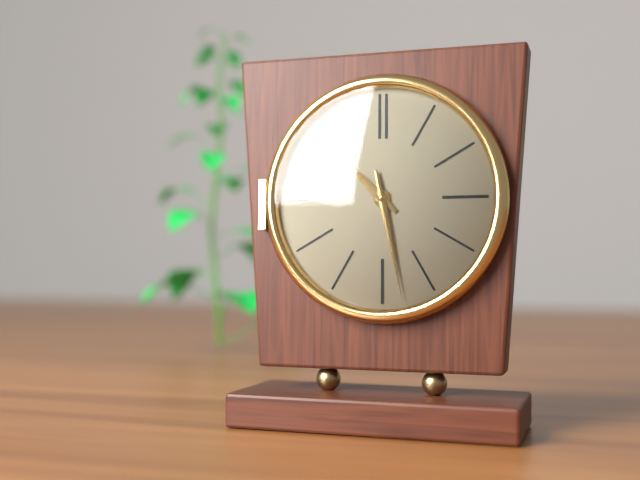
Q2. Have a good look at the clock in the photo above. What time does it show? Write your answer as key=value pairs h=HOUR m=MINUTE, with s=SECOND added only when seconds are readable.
h=10 m=28
